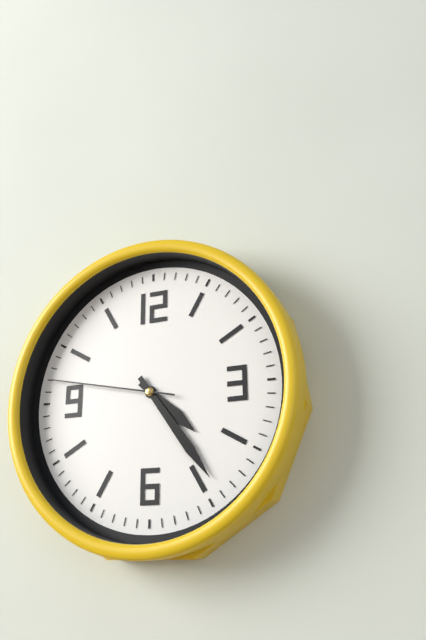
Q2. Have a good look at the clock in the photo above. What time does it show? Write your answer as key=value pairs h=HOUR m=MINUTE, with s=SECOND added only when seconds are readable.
h=4 m=24 s=47
